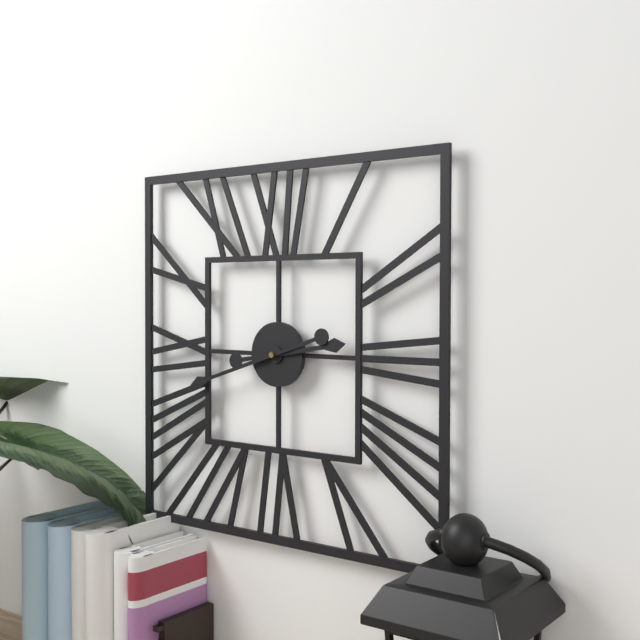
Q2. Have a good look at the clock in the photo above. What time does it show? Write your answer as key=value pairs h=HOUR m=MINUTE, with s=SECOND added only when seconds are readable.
h=2 m=42
